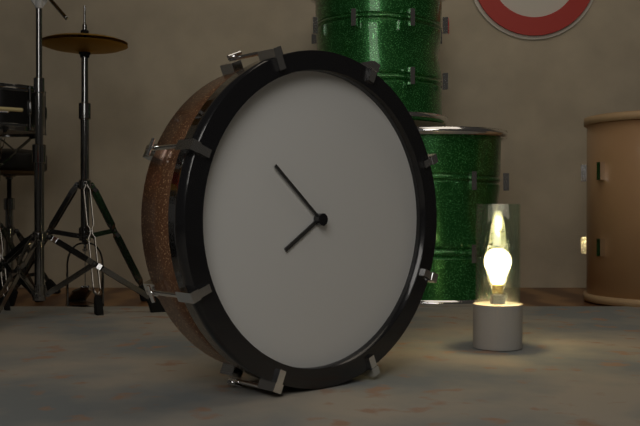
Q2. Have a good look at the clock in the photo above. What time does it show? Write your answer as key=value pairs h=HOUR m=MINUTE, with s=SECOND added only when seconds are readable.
h=7 m=52
